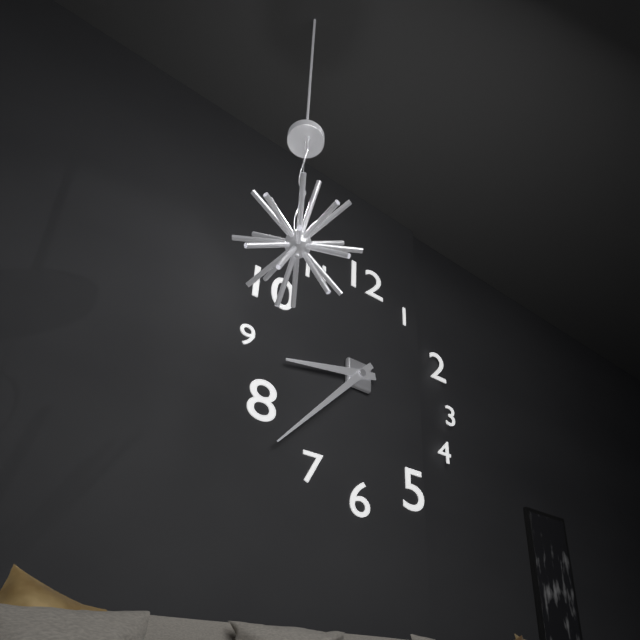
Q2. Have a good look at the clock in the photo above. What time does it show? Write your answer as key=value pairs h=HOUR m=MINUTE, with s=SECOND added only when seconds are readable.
h=8 m=37
